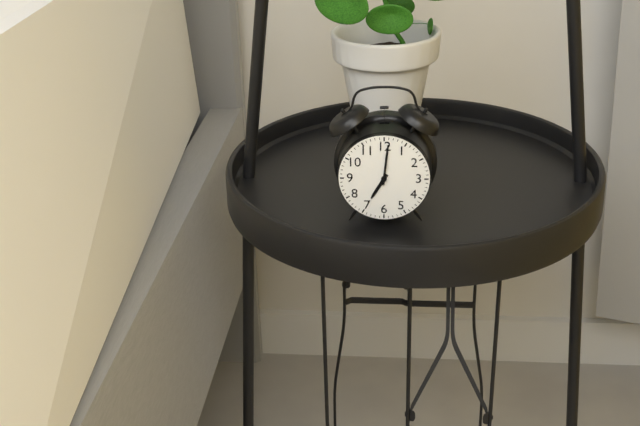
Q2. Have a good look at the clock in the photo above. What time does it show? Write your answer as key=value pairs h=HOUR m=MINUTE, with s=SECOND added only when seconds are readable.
h=7 m=1
